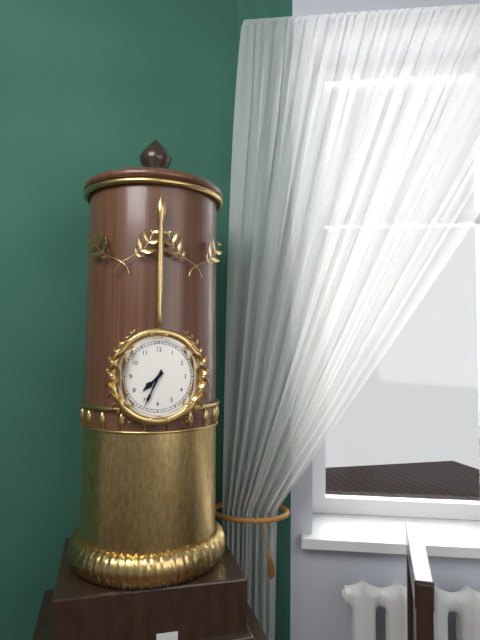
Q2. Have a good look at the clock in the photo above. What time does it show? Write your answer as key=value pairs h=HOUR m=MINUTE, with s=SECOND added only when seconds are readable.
h=7 m=34
